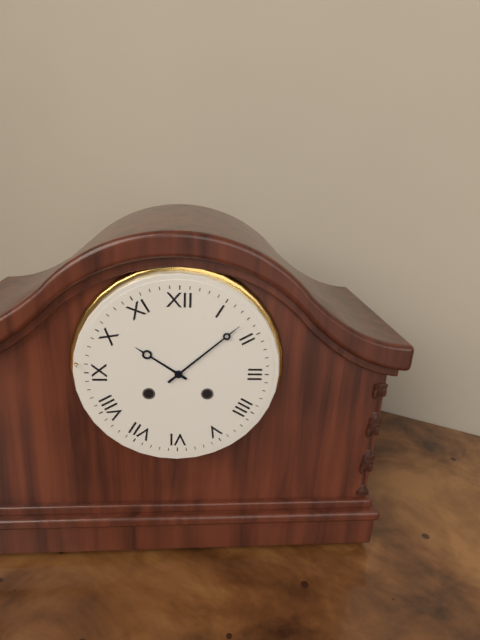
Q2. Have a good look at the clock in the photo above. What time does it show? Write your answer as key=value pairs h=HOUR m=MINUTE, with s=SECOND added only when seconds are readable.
h=10 m=8
